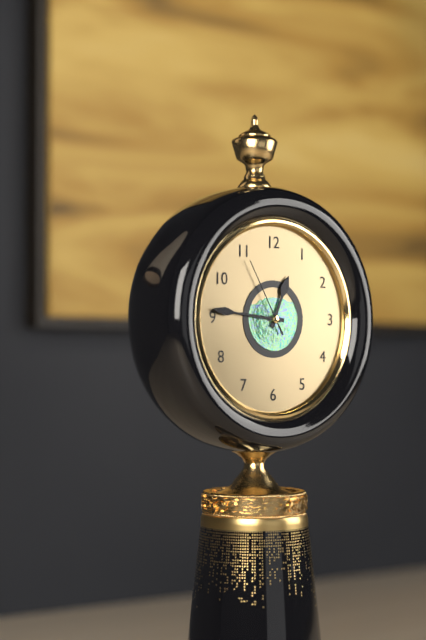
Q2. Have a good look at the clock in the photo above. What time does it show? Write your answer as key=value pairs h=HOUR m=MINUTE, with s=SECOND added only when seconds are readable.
h=12 m=46 s=55
